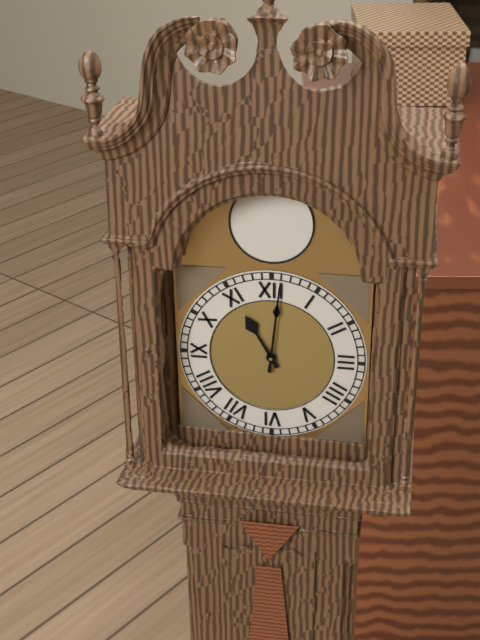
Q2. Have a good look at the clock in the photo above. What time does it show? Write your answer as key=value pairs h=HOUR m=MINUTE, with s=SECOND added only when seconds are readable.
h=11 m=1
